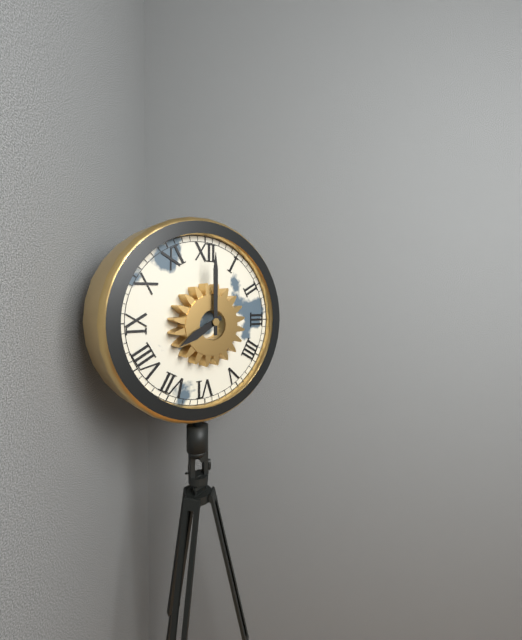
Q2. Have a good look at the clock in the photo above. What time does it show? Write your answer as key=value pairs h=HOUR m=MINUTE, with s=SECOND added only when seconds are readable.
h=8 m=0
